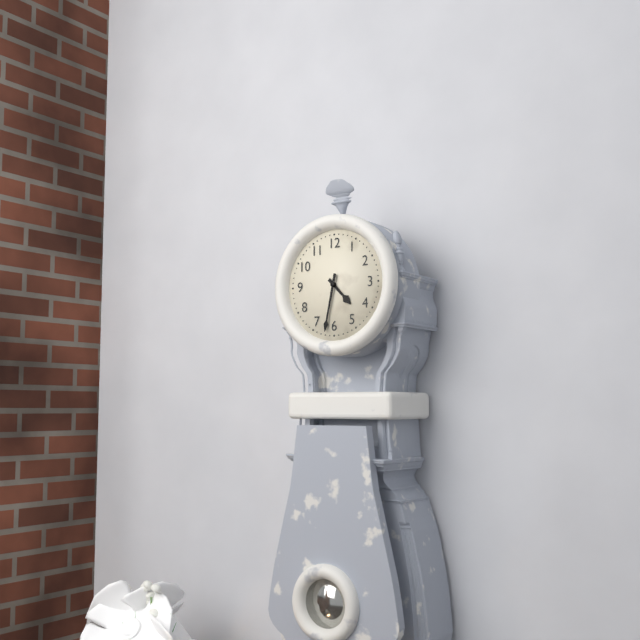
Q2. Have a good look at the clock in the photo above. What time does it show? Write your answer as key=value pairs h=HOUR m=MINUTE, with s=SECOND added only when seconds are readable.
h=4 m=32
